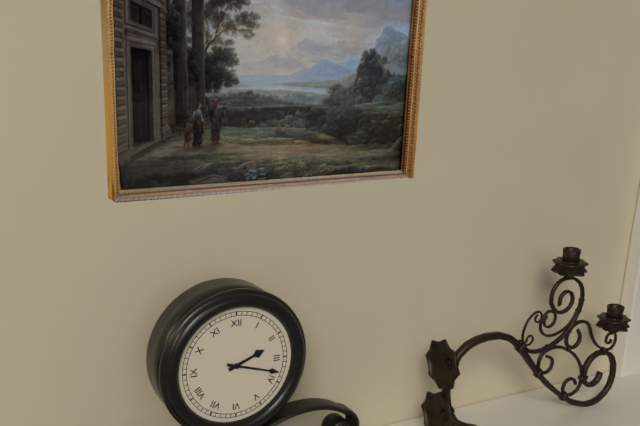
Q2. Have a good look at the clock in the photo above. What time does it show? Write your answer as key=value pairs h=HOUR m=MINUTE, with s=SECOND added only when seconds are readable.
h=2 m=18
